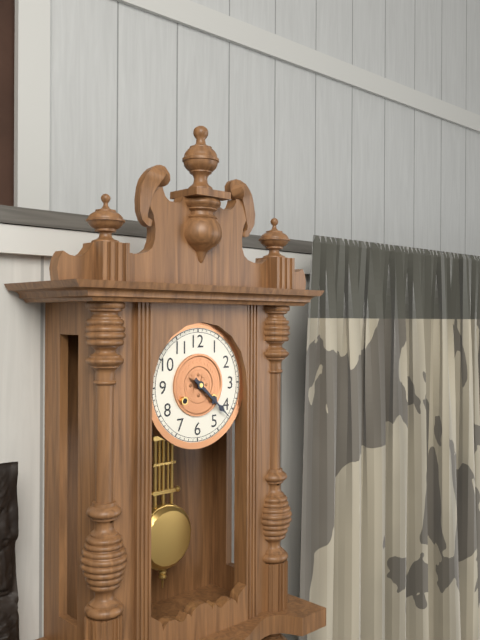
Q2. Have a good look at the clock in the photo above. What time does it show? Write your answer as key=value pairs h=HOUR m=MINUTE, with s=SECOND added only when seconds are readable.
h=4 m=22
